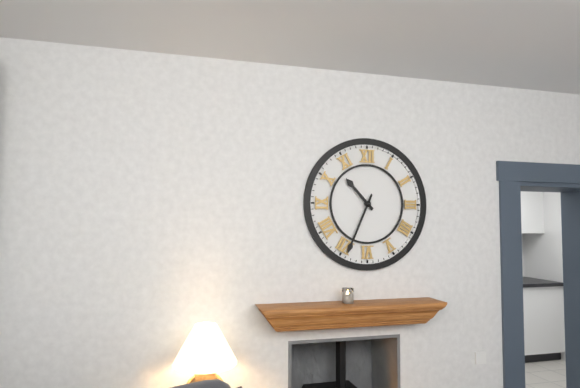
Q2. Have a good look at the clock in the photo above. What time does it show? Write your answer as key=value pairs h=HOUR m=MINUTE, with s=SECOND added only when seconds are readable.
h=10 m=34
